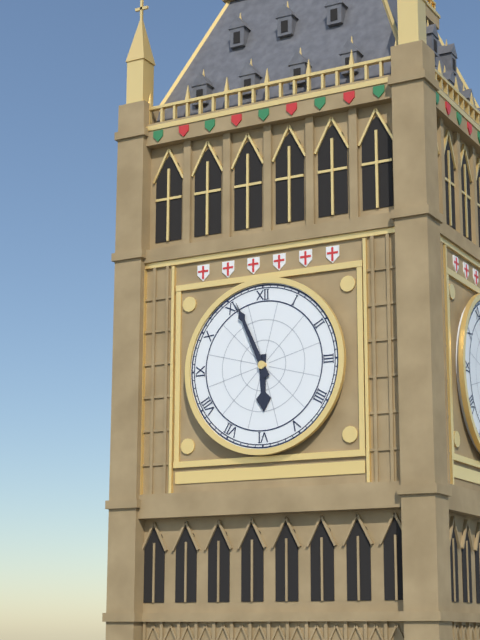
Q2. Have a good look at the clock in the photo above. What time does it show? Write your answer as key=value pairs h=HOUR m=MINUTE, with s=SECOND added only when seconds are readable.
h=5 m=56
